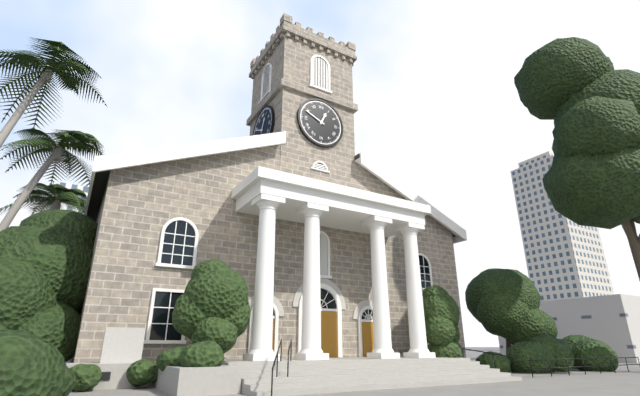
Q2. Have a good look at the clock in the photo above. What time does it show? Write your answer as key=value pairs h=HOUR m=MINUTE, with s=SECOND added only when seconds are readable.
h=12 m=49
